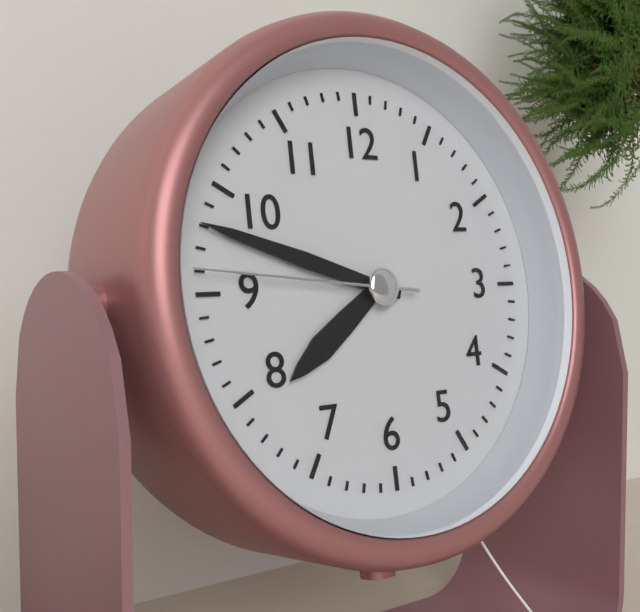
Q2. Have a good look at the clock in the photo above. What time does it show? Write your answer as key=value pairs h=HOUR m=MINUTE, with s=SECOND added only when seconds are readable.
h=7 m=48 s=46
